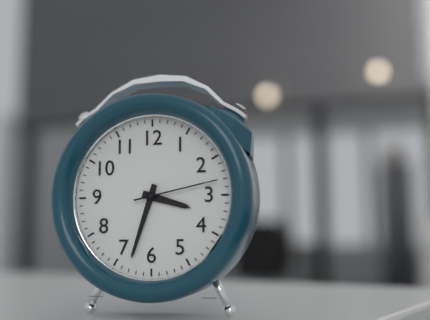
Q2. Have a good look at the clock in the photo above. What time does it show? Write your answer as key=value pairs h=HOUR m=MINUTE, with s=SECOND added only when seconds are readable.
h=3 m=33 s=13
